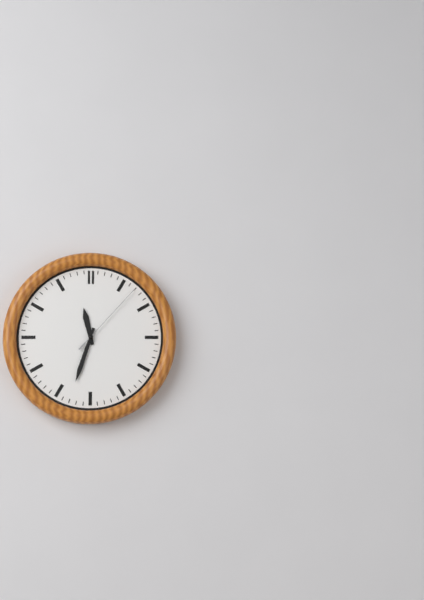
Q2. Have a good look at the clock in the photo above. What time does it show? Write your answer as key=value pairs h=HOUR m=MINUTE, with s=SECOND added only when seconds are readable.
h=11 m=33 s=7
